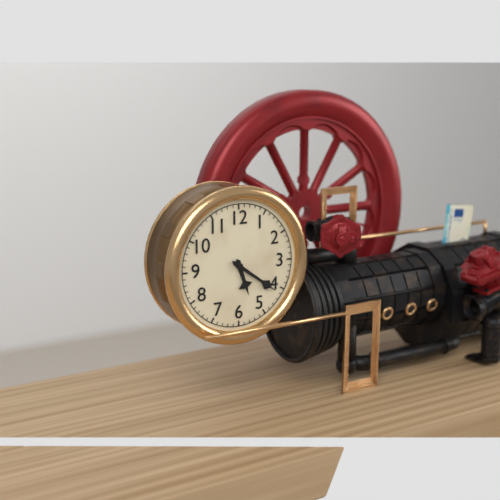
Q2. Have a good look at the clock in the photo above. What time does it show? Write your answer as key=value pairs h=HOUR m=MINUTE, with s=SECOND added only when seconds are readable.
h=5 m=21
